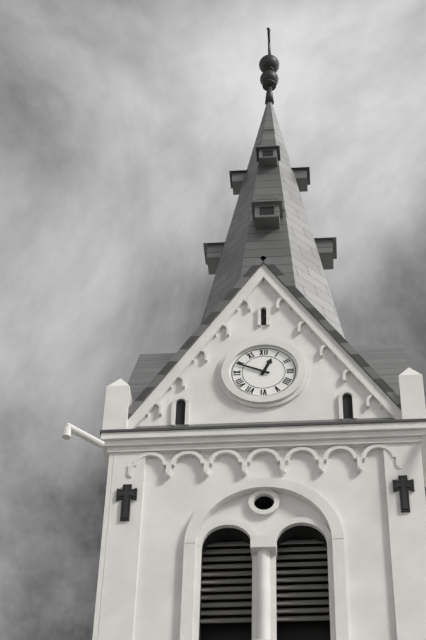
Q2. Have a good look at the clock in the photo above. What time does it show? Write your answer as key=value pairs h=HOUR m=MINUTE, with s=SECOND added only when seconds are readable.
h=12 m=49
